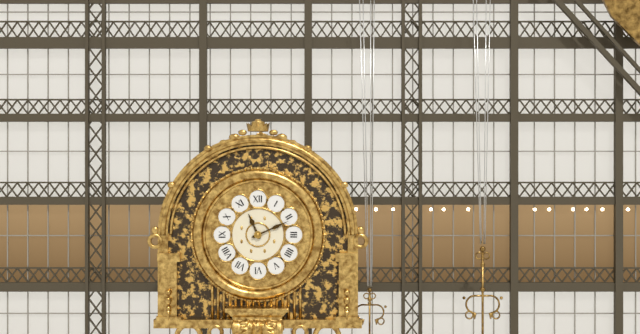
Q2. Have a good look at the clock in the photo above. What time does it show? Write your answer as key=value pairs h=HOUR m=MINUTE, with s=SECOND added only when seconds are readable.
h=11 m=11
